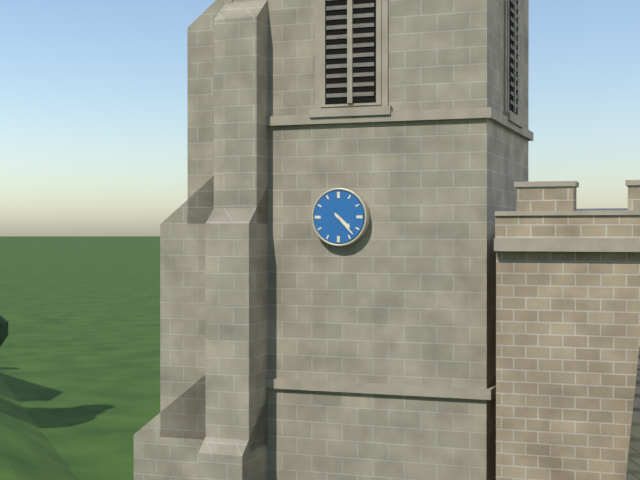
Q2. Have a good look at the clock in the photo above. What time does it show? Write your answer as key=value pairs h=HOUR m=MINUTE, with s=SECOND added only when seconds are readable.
h=4 m=23
